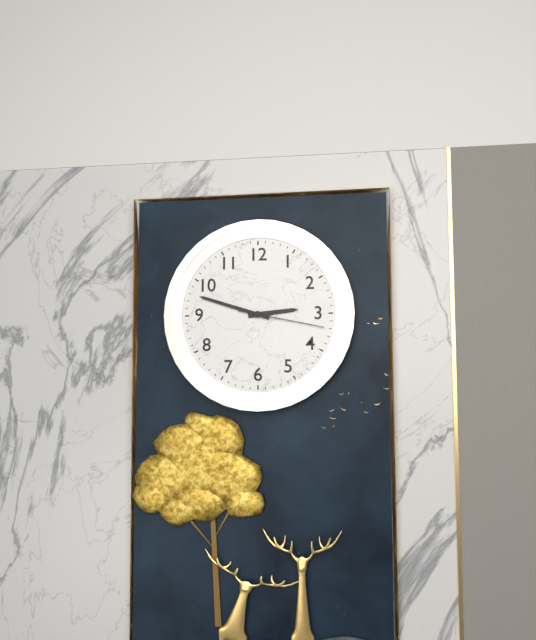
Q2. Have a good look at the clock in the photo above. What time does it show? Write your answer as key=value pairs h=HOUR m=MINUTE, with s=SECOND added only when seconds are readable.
h=2 m=48 s=17
